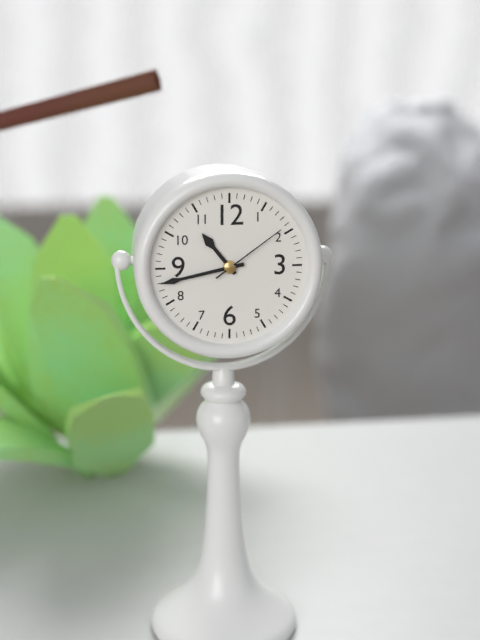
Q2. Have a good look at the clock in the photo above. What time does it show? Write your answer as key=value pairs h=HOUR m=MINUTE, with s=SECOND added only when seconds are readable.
h=10 m=43 s=9
